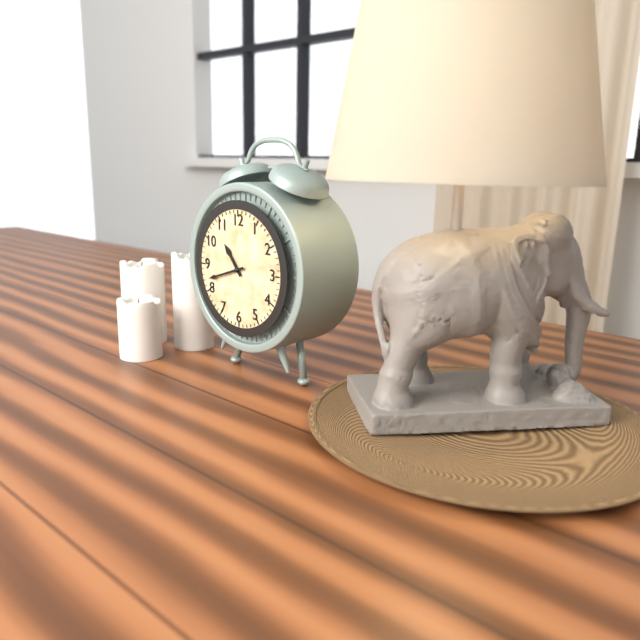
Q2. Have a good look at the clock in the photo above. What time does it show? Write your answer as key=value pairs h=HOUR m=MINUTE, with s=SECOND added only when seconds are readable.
h=10 m=42
